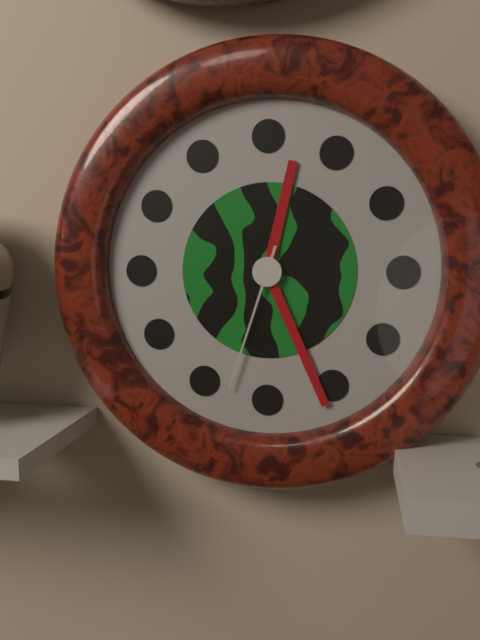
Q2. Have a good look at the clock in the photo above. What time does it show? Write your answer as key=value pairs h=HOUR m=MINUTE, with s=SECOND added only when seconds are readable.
h=12 m=26 s=33
